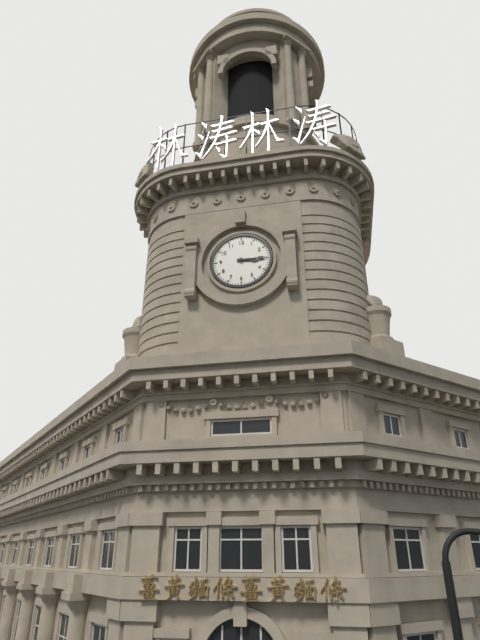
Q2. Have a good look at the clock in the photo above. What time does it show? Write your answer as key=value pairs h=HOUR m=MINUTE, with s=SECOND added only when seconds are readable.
h=3 m=15
